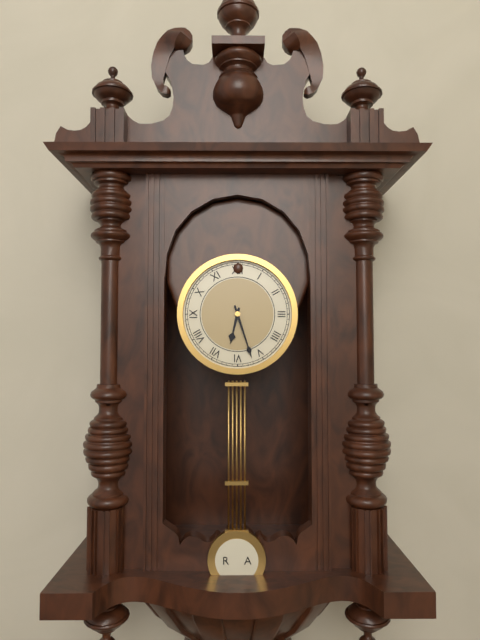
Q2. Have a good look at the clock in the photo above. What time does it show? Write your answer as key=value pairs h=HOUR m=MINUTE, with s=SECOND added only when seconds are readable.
h=6 m=27
